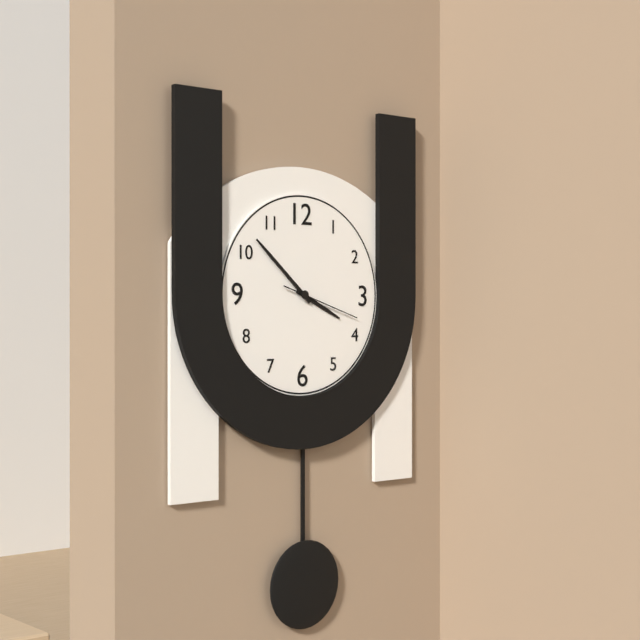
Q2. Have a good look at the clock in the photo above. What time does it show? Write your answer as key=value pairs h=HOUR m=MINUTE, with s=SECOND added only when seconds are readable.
h=3 m=52 s=18
